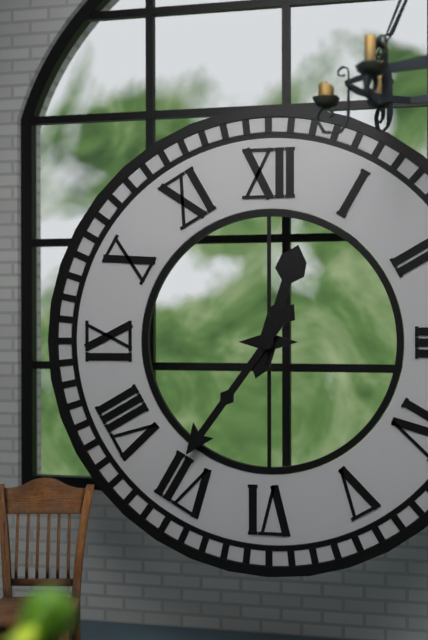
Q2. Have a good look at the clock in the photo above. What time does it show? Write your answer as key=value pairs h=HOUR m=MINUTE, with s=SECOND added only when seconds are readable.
h=12 m=36
